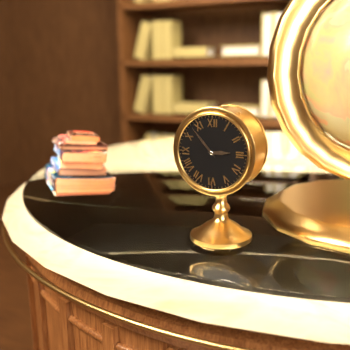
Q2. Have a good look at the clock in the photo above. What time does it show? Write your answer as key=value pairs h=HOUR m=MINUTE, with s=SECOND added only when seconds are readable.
h=2 m=53
